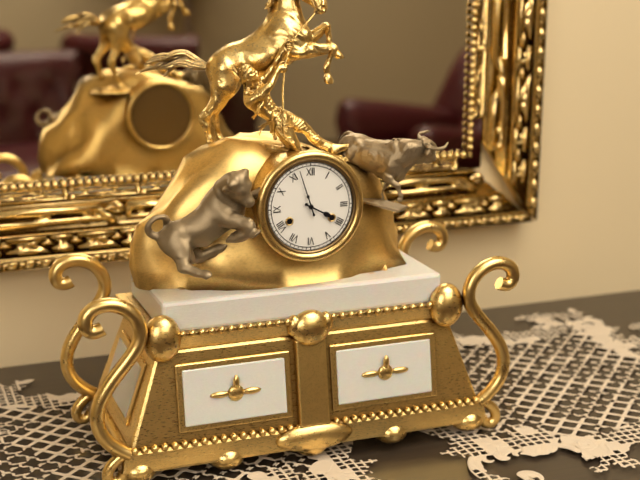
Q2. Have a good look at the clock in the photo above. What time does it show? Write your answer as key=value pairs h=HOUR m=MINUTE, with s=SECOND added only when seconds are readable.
h=3 m=57
